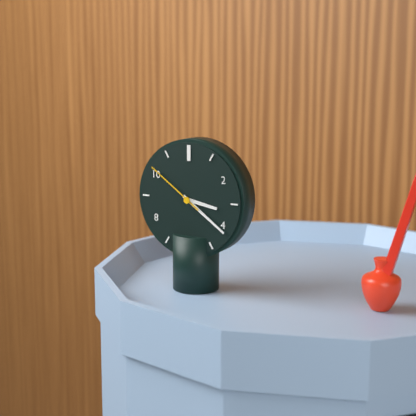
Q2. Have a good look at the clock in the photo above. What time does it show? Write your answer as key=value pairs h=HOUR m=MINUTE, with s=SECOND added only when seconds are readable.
h=3 m=21 s=51
